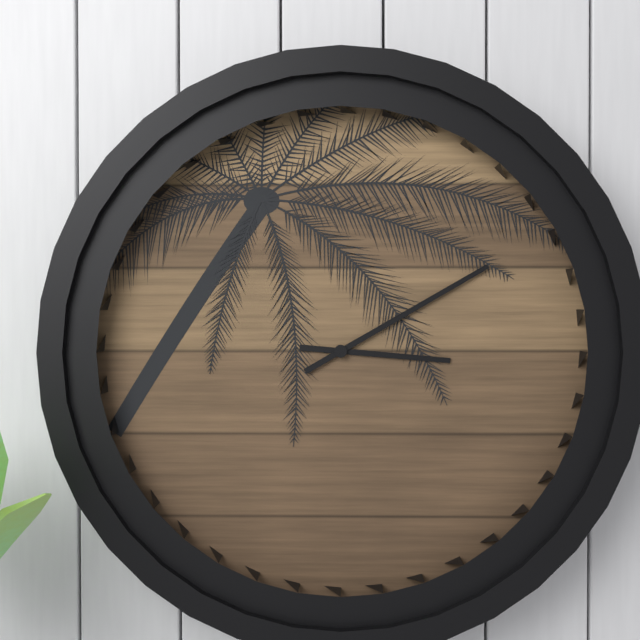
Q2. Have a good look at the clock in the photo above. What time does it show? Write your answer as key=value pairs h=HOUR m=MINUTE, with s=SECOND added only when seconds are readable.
h=3 m=10
